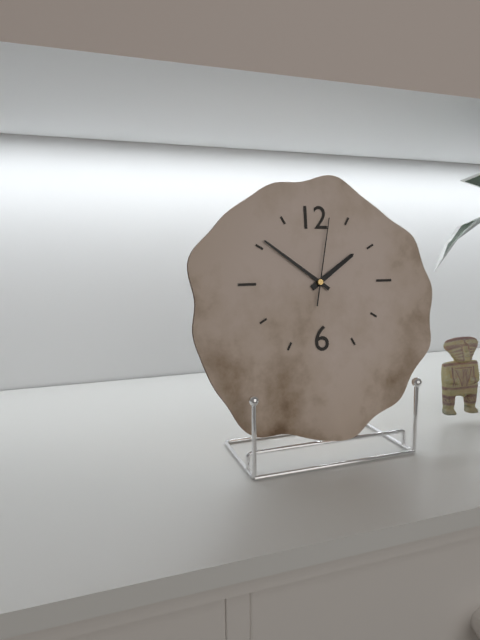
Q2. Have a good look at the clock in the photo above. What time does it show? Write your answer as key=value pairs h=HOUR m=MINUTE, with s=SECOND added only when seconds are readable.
h=1 m=51 s=2
